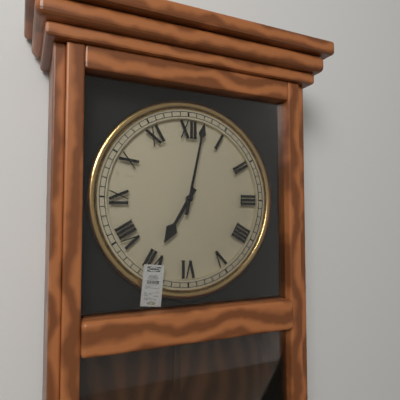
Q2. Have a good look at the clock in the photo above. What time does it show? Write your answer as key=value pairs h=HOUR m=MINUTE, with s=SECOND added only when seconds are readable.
h=7 m=2
